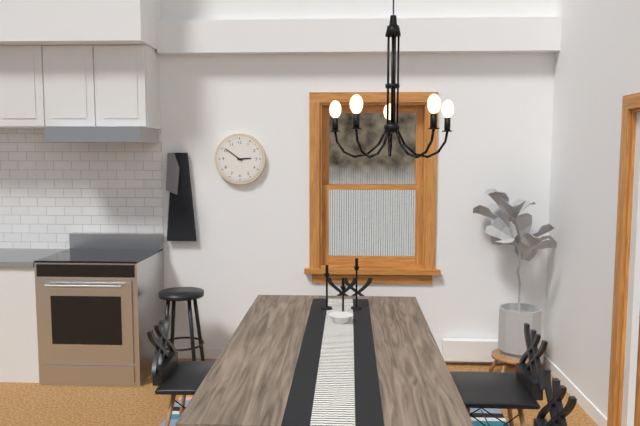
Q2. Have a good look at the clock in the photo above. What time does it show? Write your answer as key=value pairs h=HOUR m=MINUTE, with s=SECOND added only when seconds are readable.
h=2 m=51
